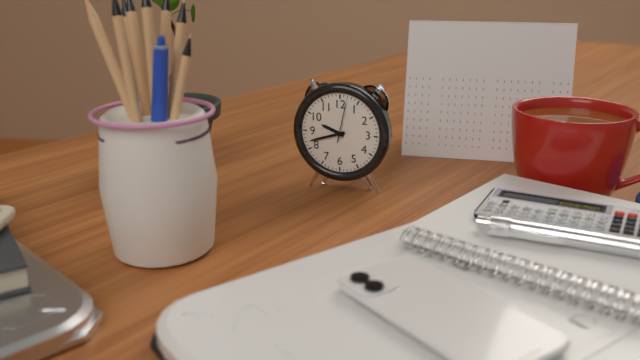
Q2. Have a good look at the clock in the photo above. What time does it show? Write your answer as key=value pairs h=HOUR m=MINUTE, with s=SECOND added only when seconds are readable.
h=9 m=42
